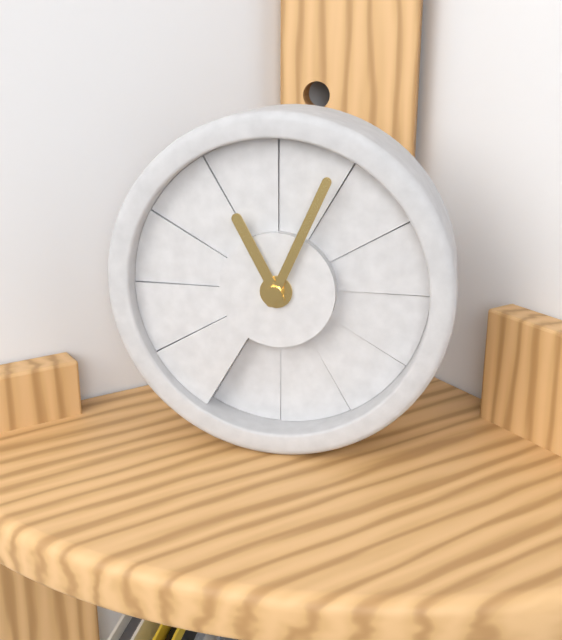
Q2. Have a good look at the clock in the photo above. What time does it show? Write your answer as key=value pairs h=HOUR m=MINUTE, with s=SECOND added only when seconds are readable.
h=11 m=4
